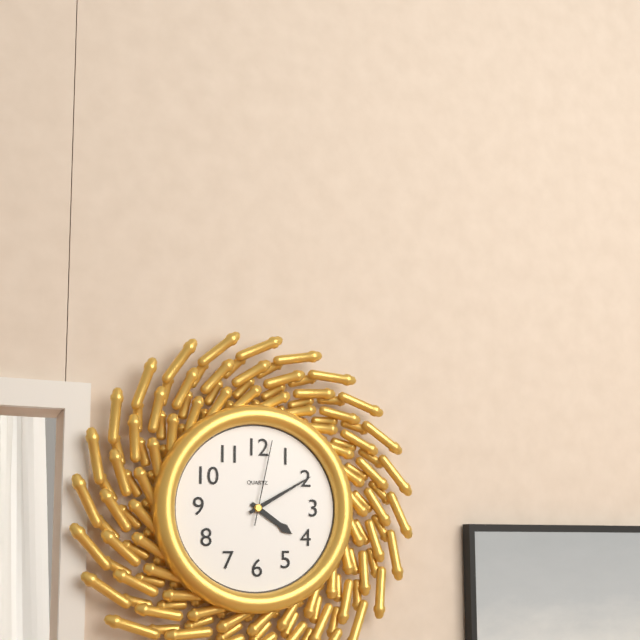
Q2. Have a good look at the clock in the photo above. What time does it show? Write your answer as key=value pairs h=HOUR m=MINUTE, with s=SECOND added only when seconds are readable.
h=4 m=10 s=2
